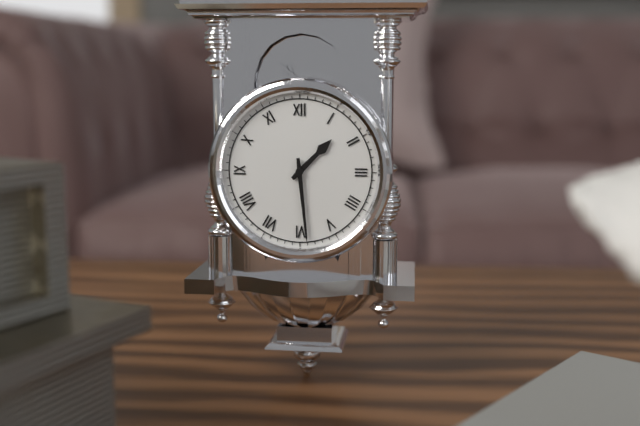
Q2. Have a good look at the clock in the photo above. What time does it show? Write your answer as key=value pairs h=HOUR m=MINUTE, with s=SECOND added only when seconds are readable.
h=1 m=29
